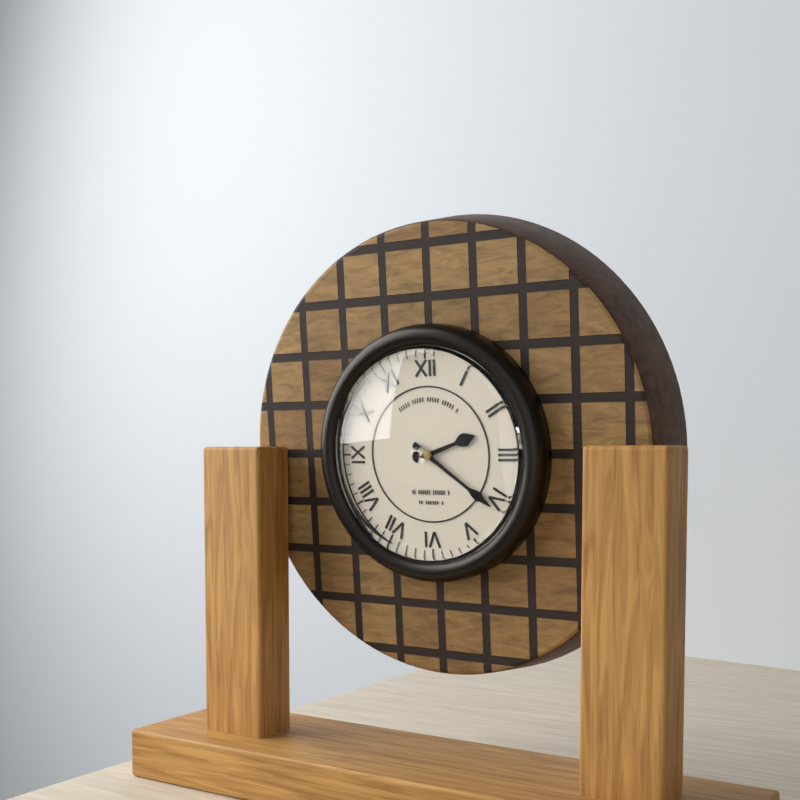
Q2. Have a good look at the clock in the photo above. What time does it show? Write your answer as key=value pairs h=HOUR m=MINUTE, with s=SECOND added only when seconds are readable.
h=2 m=21
